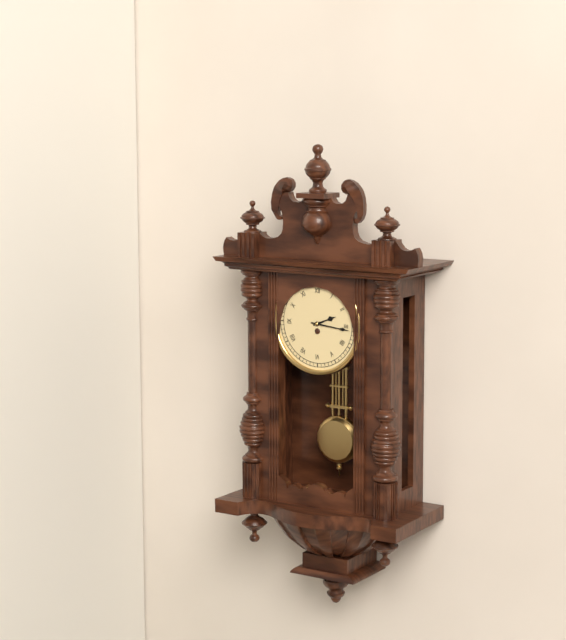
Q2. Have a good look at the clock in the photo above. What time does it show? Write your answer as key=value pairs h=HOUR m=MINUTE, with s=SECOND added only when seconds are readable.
h=2 m=16
